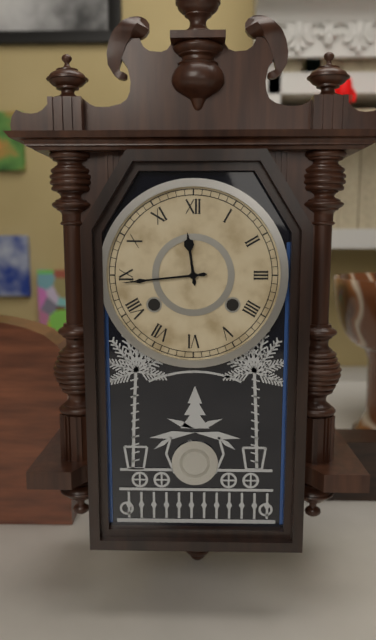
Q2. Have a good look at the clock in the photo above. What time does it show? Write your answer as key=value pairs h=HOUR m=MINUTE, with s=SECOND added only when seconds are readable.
h=11 m=44
